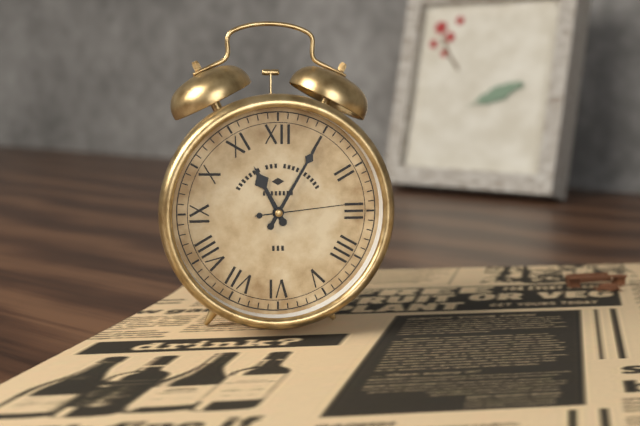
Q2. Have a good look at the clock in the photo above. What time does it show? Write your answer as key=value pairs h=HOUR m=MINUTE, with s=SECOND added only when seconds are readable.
h=11 m=5 s=14
